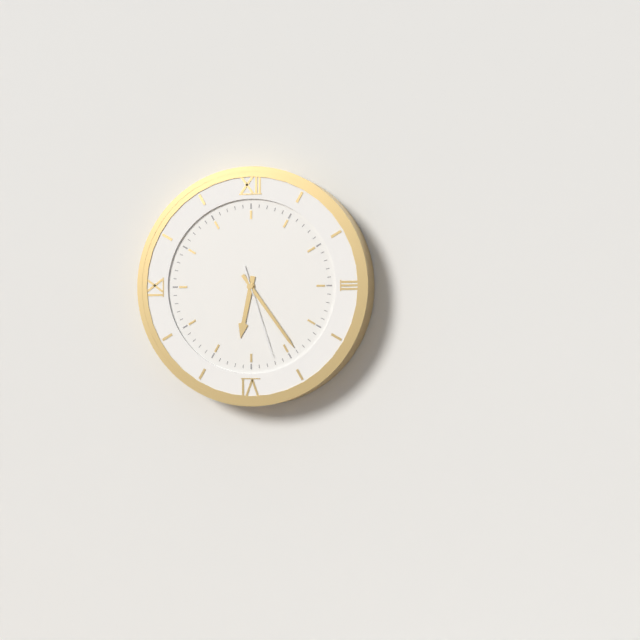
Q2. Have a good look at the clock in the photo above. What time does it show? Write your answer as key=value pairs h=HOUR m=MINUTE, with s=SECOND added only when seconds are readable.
h=6 m=24 s=27
